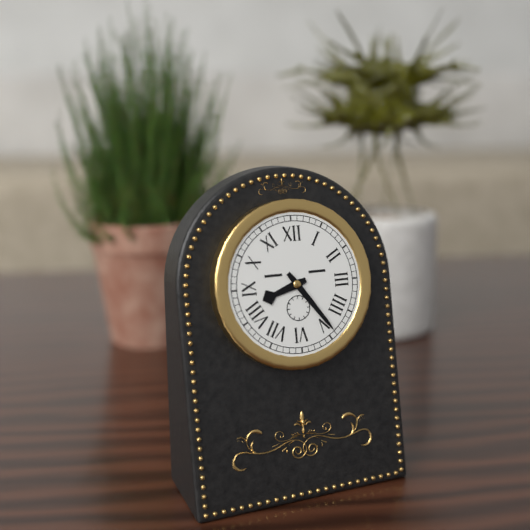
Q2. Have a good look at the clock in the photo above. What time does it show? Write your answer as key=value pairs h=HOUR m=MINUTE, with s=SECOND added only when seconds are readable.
h=8 m=24
